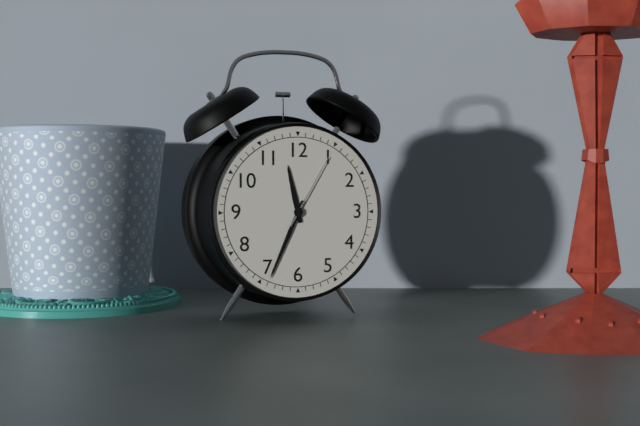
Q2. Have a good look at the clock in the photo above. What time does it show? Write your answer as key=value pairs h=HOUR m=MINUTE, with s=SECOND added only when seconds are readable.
h=11 m=34 s=5
